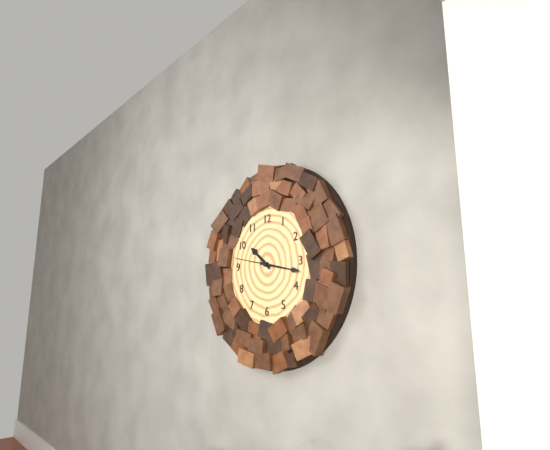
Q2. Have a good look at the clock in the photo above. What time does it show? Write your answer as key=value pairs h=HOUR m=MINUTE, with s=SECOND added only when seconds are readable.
h=10 m=17
